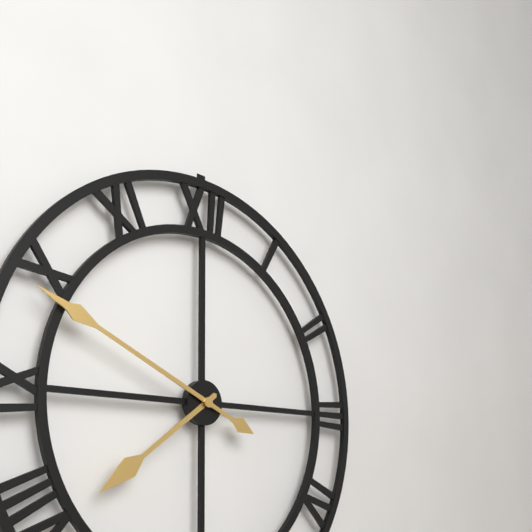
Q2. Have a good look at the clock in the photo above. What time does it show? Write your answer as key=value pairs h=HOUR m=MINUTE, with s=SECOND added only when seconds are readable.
h=7 m=49
